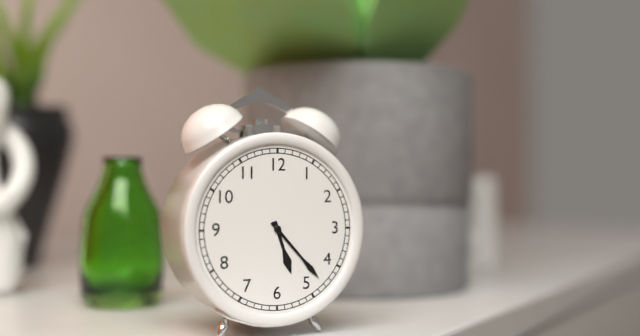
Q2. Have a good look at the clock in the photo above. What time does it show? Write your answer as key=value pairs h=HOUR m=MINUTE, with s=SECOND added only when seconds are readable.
h=5 m=23
